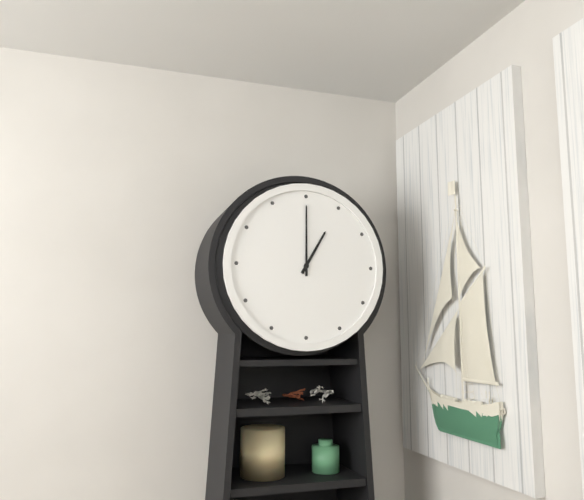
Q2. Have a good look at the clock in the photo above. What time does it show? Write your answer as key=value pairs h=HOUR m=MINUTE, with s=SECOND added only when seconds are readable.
h=1 m=0
